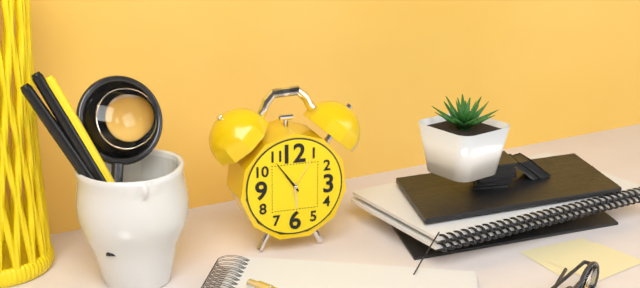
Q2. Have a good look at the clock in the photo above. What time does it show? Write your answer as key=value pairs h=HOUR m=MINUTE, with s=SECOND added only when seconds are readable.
h=5 m=54
